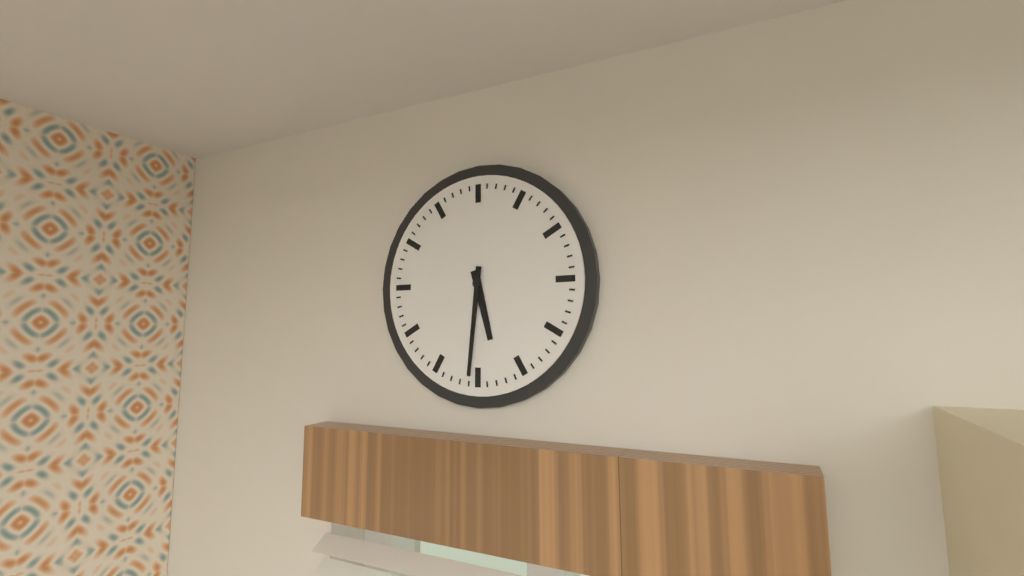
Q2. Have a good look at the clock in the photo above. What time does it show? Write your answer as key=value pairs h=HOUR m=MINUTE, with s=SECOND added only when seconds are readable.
h=5 m=31
